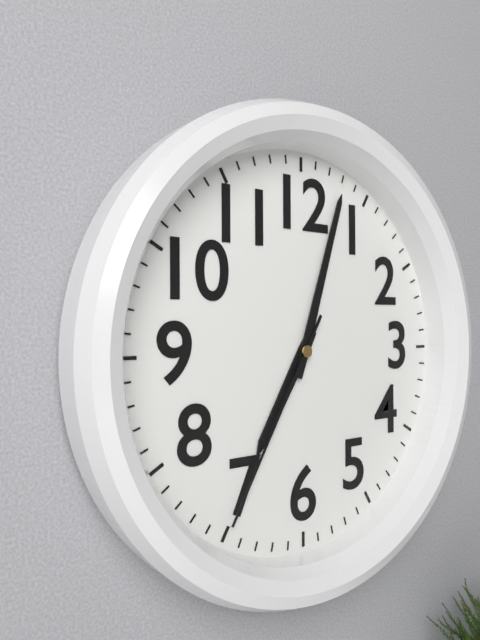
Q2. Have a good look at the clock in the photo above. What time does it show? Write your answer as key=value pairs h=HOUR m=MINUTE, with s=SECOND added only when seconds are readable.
h=7 m=3 s=35
